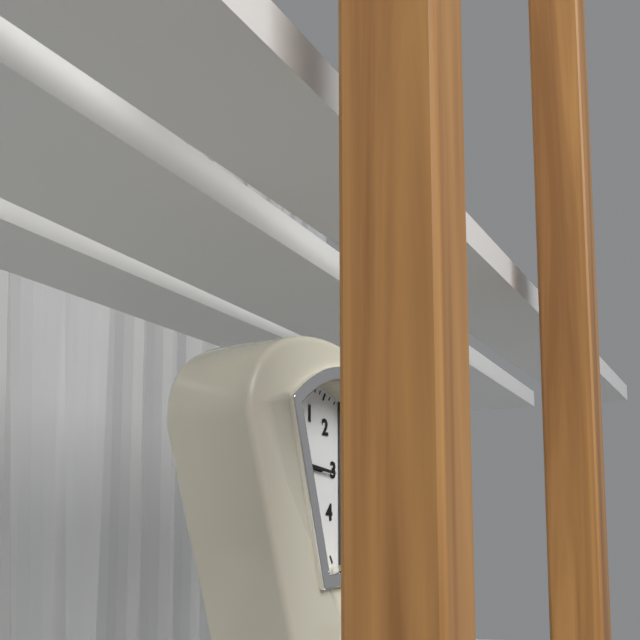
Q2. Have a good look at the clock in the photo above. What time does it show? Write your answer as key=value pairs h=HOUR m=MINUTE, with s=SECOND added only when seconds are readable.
h=3 m=16
